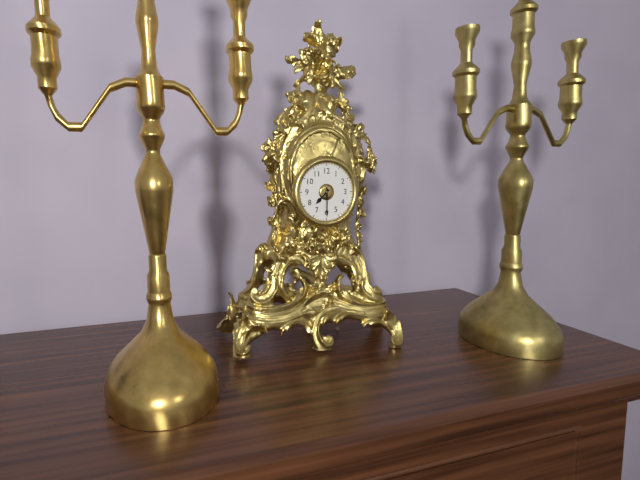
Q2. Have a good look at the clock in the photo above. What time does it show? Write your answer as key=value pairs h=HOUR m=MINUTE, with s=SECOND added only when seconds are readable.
h=7 m=30
